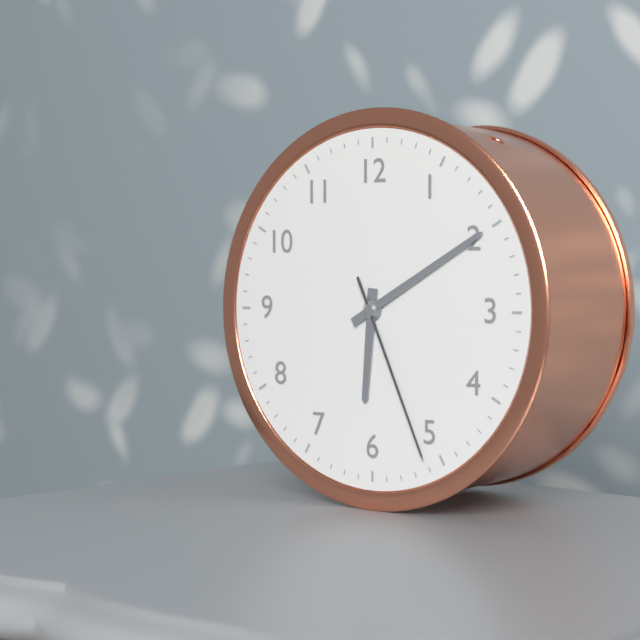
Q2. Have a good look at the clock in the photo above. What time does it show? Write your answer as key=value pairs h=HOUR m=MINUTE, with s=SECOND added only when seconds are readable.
h=6 m=10 s=26
